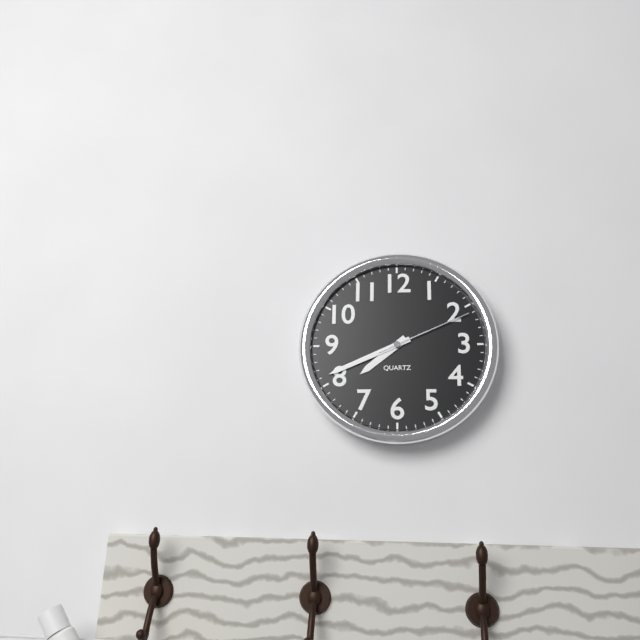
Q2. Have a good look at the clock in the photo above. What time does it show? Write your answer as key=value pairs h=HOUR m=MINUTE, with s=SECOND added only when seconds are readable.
h=7 m=41 s=11
